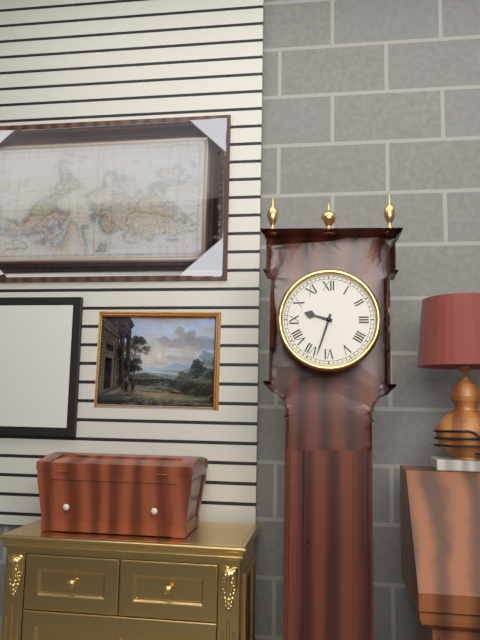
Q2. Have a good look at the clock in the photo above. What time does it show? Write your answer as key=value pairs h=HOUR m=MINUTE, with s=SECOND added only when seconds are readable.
h=9 m=33
